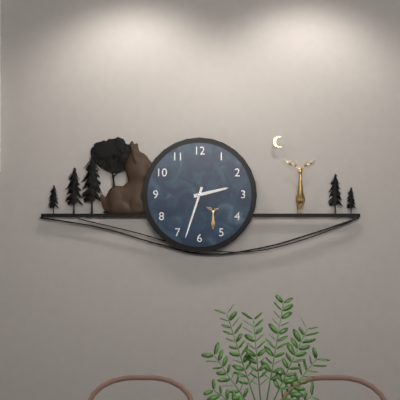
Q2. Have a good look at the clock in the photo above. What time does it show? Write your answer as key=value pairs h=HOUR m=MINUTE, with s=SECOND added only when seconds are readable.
h=2 m=33
